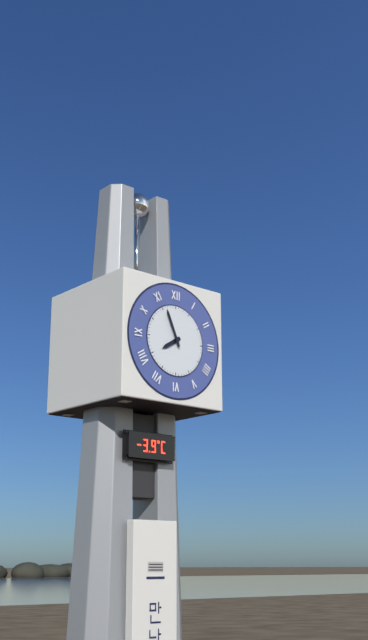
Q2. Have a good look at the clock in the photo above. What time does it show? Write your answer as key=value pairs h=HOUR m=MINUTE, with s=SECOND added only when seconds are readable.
h=7 m=56
